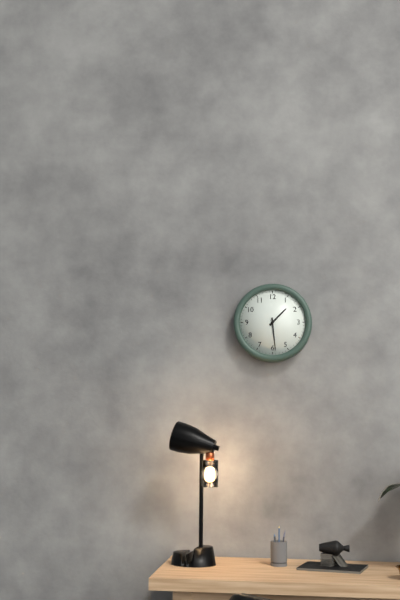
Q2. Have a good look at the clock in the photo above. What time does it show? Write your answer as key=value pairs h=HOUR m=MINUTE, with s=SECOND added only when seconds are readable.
h=1 m=29
